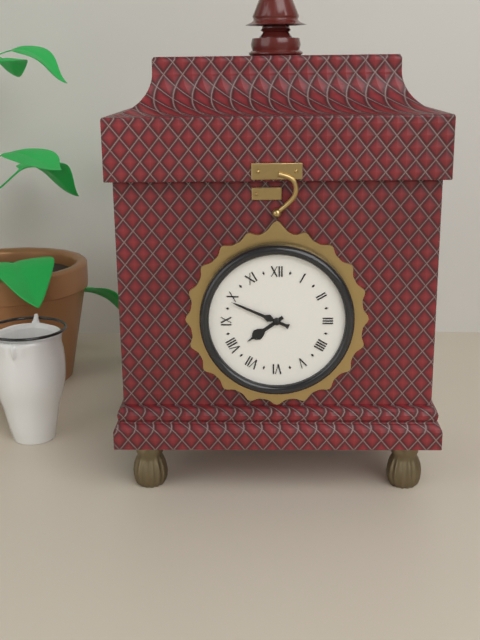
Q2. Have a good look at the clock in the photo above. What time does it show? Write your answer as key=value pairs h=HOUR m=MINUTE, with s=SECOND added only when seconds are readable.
h=7 m=49
